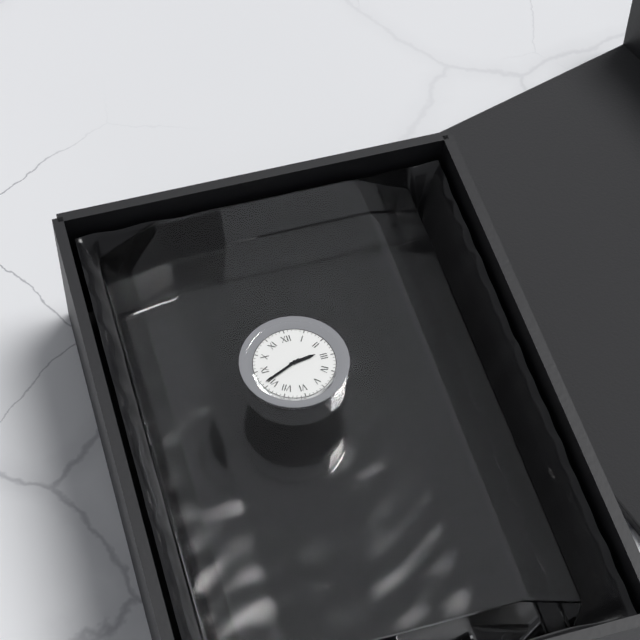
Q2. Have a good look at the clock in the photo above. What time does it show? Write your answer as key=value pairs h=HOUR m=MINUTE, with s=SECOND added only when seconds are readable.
h=2 m=41
